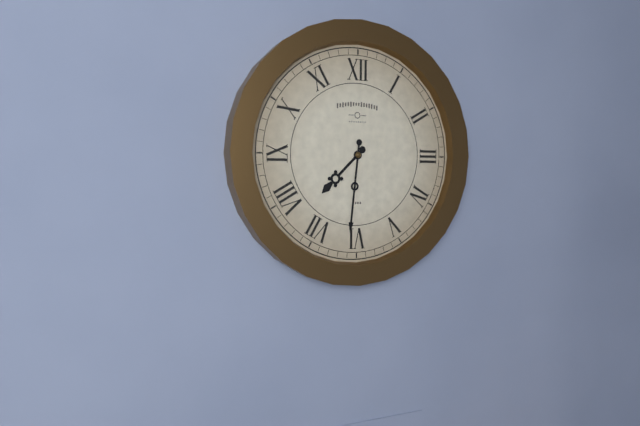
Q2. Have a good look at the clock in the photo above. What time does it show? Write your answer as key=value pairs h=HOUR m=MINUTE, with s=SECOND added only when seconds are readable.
h=7 m=31
